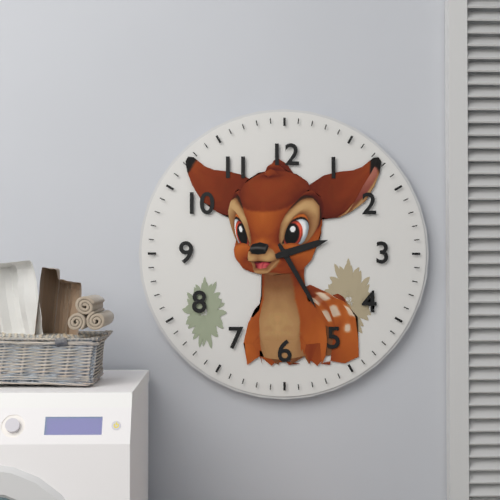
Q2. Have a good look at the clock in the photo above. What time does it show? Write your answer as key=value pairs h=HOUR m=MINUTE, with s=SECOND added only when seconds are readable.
h=2 m=25
